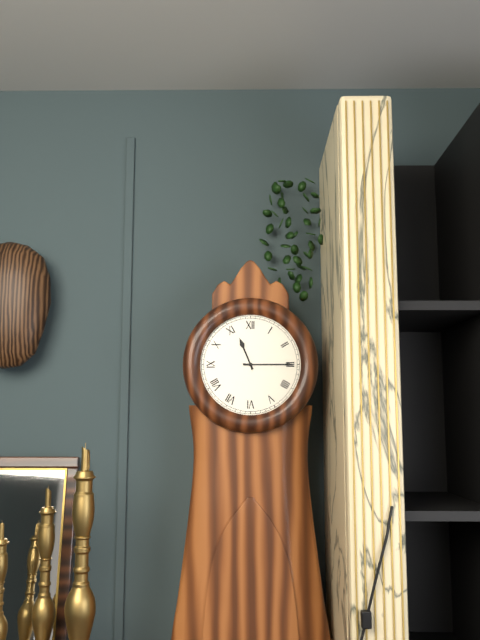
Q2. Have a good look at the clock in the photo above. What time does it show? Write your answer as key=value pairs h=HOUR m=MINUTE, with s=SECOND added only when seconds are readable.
h=11 m=15
